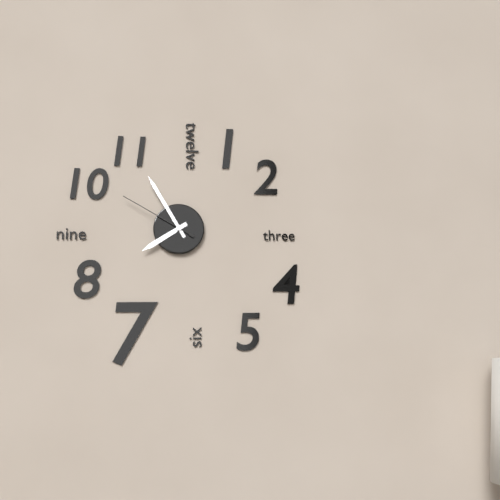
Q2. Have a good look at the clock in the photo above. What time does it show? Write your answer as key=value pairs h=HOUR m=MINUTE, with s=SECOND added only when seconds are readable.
h=7 m=55 s=50
